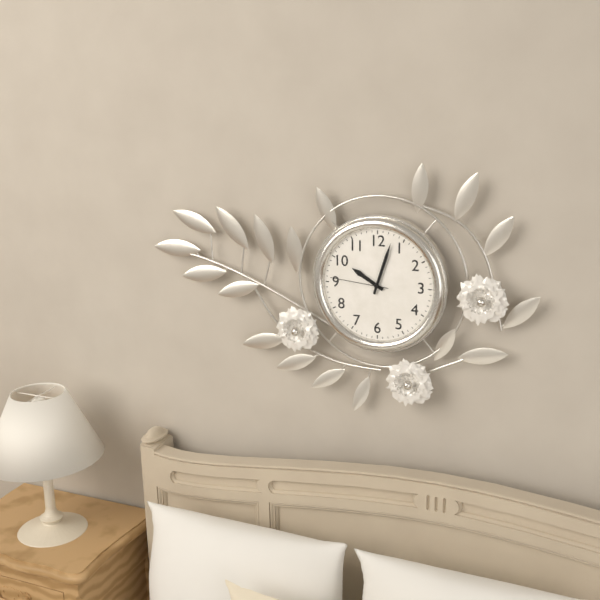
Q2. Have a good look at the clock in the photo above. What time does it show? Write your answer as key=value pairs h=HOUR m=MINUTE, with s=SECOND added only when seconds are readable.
h=10 m=3 s=46
